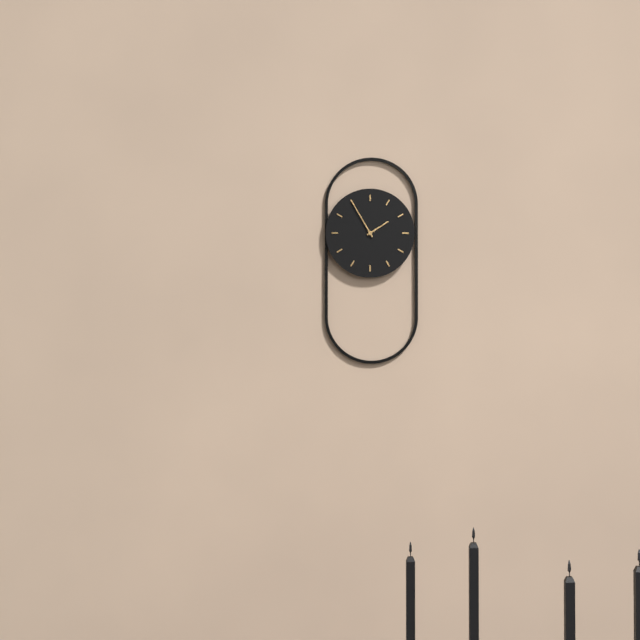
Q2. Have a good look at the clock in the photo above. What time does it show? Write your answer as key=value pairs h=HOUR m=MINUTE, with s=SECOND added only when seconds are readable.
h=1 m=55
